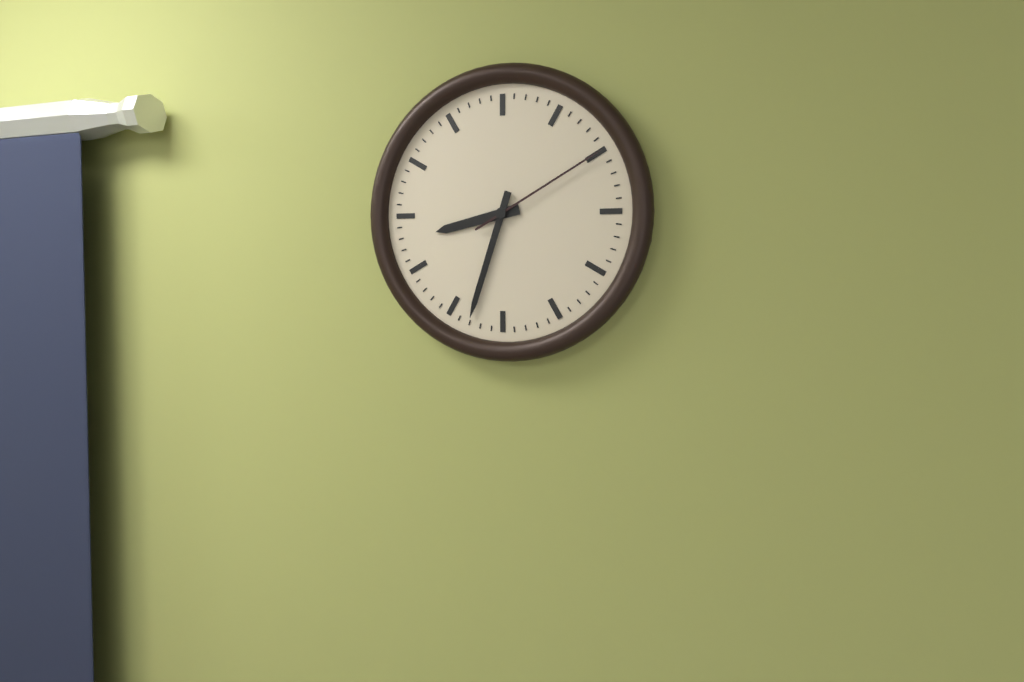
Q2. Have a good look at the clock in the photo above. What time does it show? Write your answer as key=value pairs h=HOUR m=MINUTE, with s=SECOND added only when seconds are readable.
h=8 m=33 s=10
